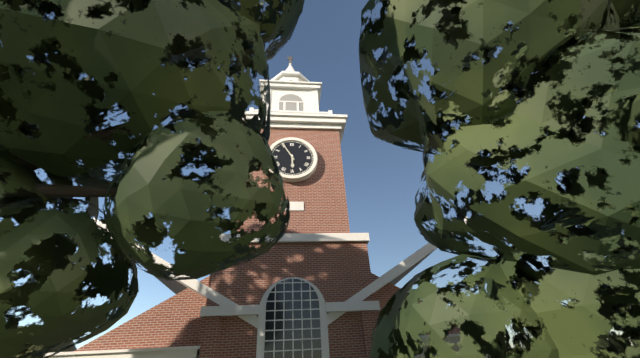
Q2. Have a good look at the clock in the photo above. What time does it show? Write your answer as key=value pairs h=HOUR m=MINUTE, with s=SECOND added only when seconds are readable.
h=5 m=55
